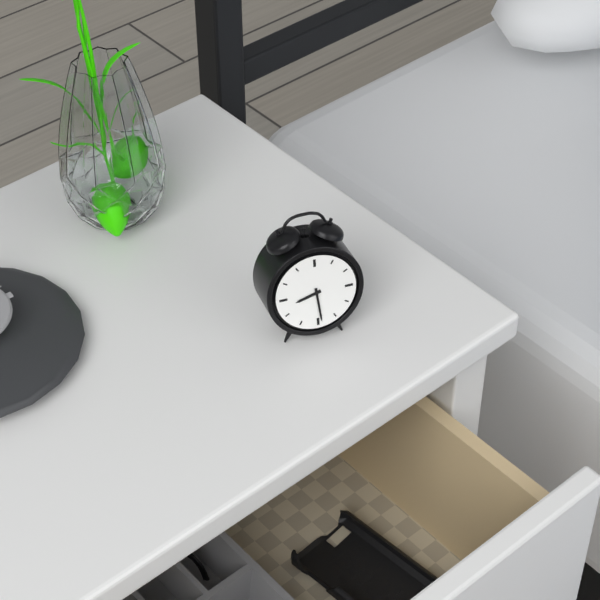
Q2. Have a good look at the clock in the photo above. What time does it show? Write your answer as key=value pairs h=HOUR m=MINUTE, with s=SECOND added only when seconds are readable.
h=8 m=29
